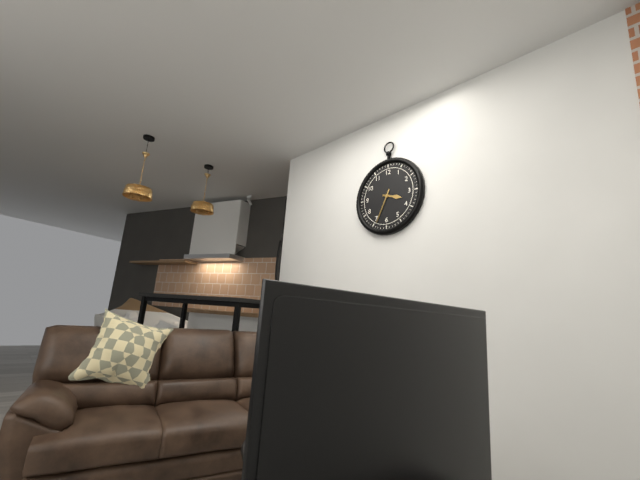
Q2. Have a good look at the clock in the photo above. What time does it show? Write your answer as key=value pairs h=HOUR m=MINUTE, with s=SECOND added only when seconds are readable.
h=3 m=34
